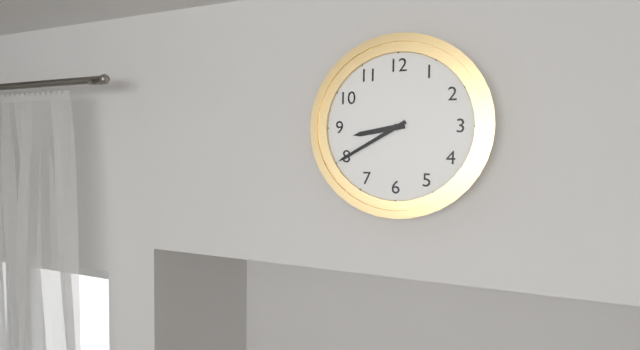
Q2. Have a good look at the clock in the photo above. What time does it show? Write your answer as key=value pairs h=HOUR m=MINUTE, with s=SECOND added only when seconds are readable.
h=8 m=40
